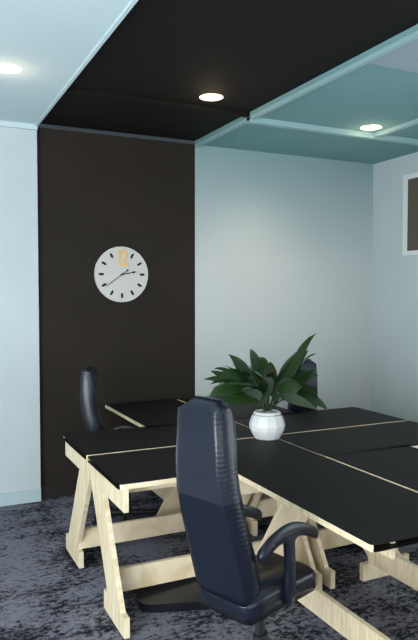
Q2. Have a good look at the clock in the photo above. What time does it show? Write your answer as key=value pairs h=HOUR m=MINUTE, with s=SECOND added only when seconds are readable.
h=2 m=39
